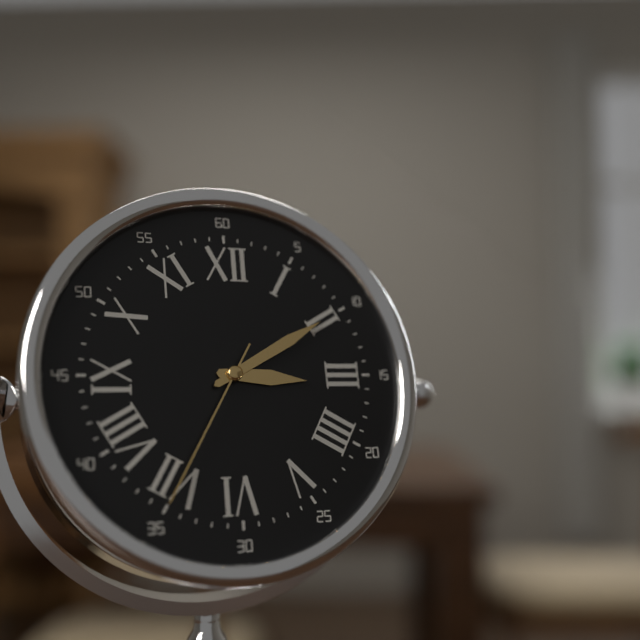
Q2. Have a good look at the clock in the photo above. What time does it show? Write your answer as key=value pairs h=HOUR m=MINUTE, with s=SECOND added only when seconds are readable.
h=3 m=10 s=35
